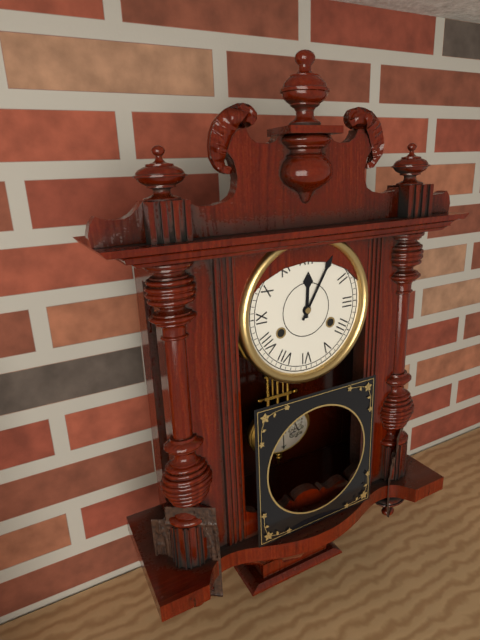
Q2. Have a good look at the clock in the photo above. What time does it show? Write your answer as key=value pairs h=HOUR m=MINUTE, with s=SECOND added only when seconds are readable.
h=12 m=5
